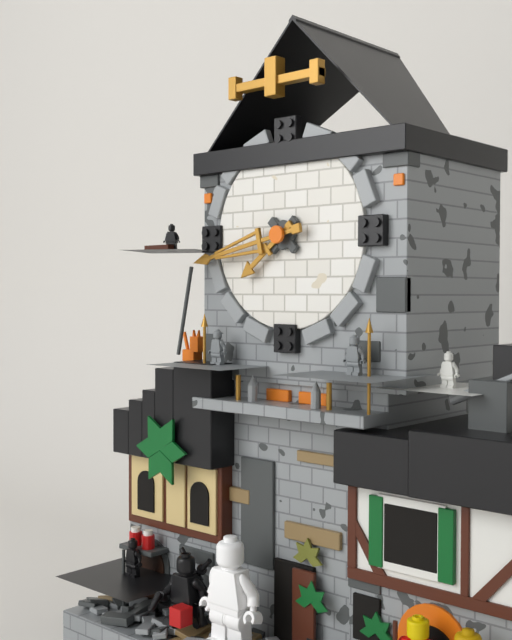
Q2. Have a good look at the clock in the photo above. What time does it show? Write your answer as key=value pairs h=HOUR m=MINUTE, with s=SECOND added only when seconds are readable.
h=7 m=43
